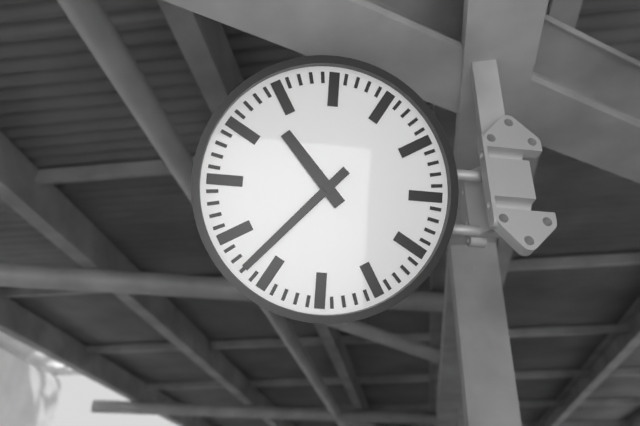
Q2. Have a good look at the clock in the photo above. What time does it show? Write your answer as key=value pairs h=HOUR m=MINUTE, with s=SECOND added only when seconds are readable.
h=10 m=37
